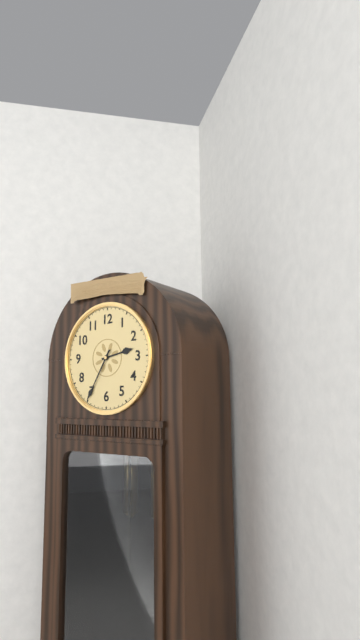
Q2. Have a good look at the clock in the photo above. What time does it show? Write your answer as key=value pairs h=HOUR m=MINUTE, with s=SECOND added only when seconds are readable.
h=2 m=35
